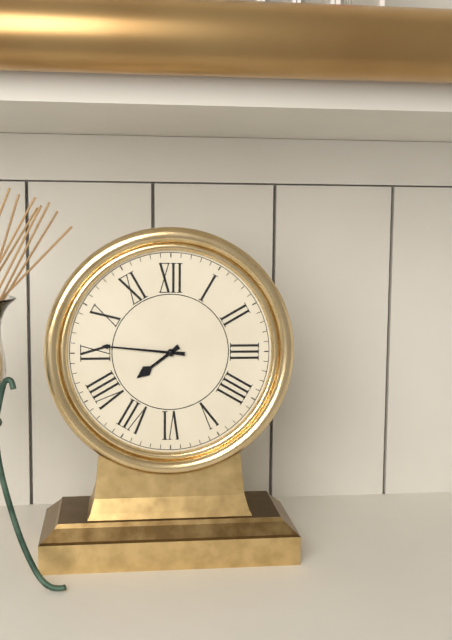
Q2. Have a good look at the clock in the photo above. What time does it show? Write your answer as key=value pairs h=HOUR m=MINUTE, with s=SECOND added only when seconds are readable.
h=7 m=46
